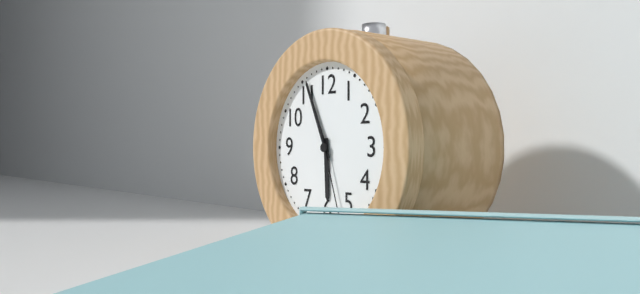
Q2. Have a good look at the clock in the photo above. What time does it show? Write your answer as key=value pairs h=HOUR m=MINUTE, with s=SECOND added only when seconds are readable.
h=5 m=56 s=27
